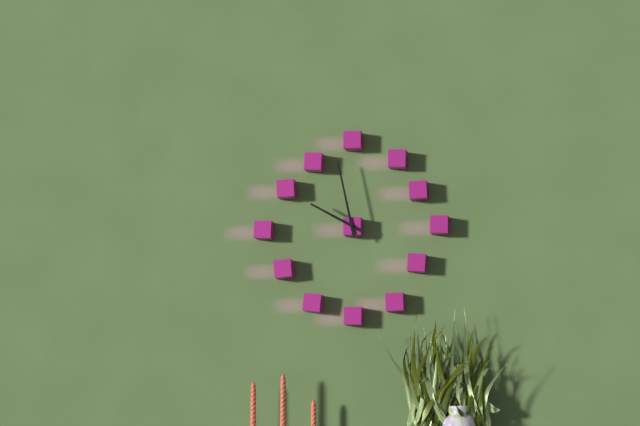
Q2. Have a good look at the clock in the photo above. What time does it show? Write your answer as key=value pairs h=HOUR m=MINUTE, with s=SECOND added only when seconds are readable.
h=9 m=58
